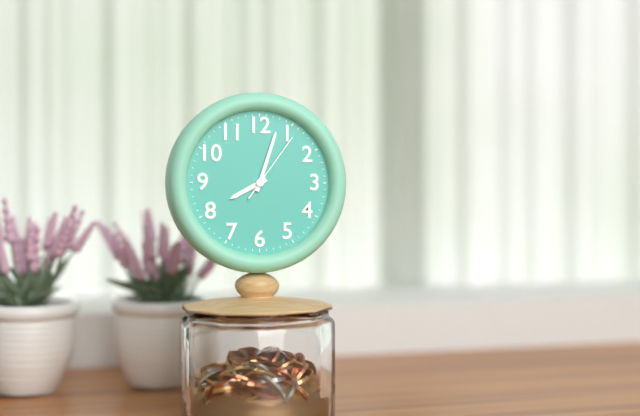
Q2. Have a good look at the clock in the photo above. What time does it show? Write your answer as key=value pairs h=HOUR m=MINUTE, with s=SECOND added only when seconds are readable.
h=8 m=3 s=6
